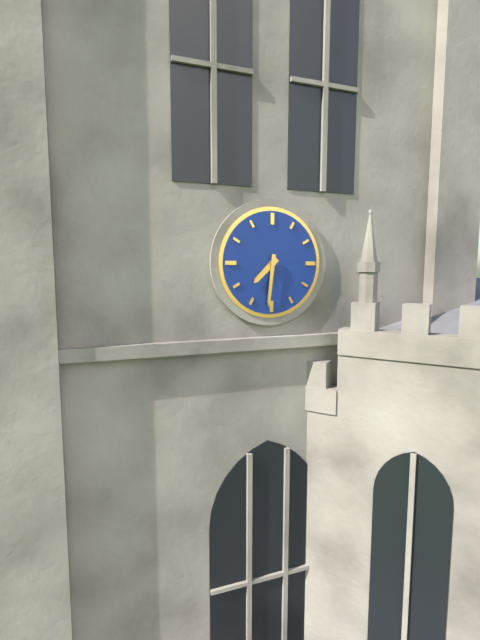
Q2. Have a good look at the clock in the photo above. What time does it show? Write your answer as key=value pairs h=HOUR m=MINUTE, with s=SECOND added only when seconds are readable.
h=7 m=31
